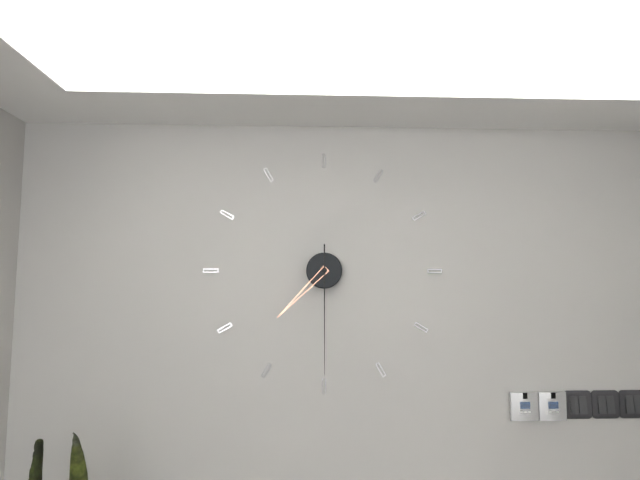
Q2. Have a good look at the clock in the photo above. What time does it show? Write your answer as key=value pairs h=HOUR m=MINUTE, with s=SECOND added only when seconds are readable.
h=7 m=30
